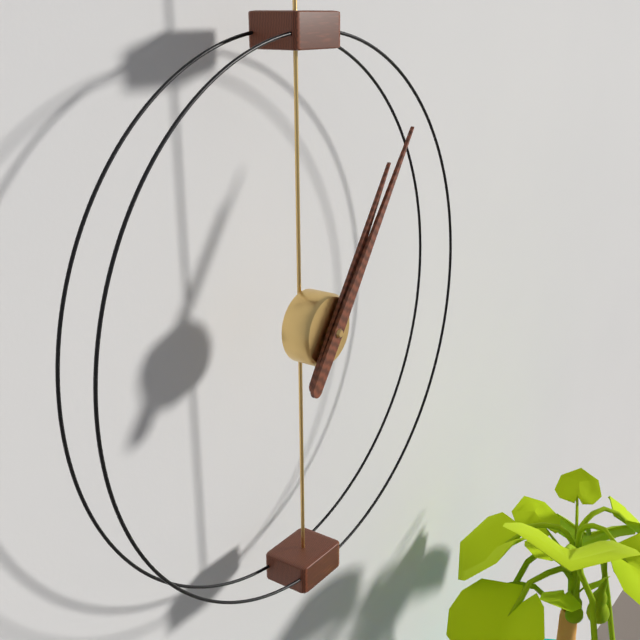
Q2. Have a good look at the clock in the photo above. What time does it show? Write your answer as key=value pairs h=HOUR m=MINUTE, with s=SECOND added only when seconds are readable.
h=1 m=6
